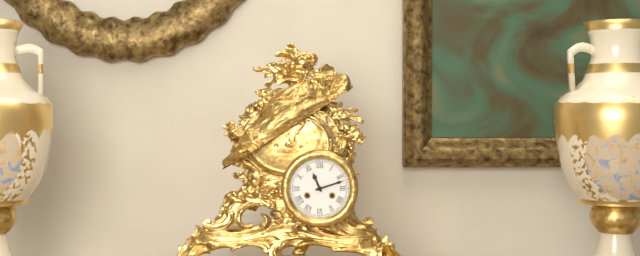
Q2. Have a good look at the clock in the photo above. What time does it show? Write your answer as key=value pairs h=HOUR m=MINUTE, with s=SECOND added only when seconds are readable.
h=11 m=12
